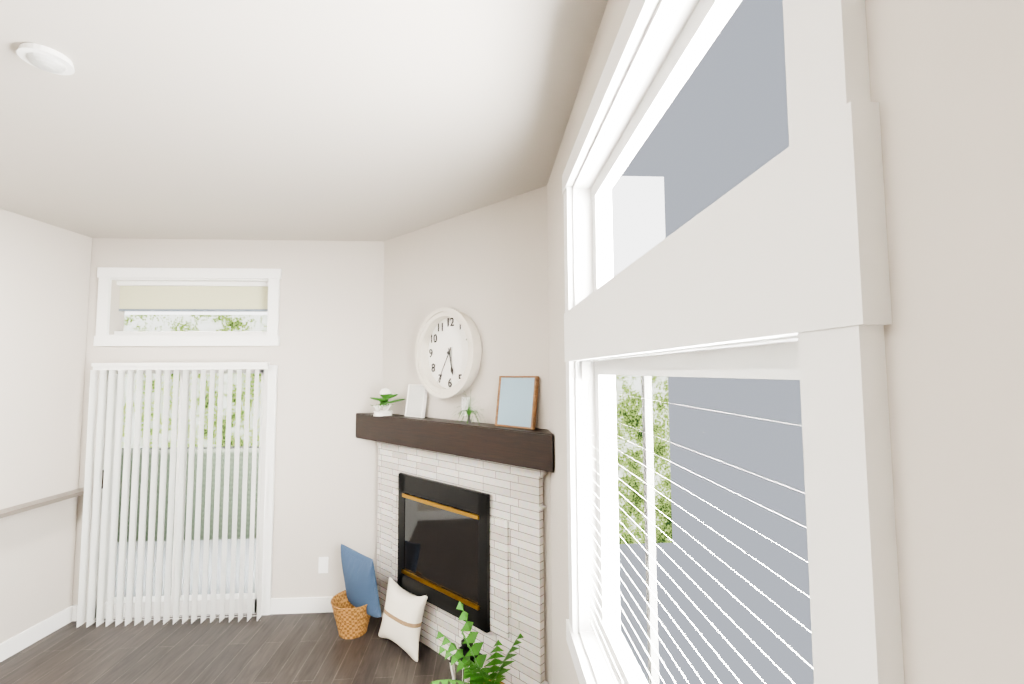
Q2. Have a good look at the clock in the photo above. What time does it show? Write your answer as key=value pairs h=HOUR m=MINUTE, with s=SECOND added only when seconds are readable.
h=5 m=35
